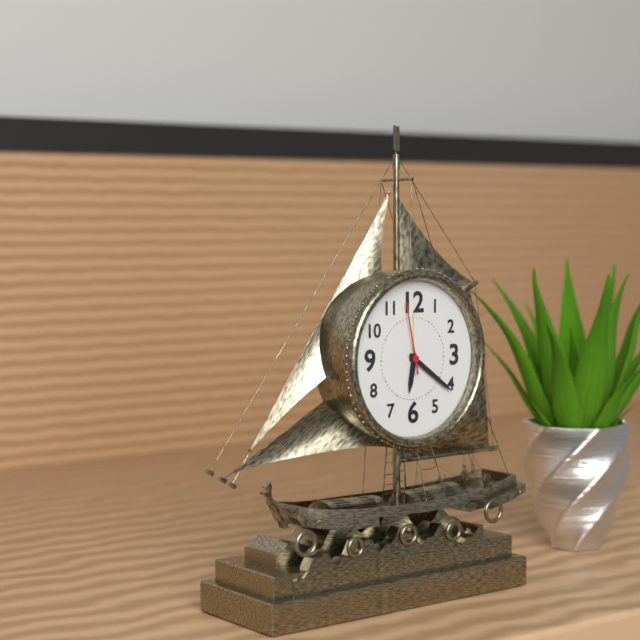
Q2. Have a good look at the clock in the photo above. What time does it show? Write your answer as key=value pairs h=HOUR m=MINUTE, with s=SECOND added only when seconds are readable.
h=6 m=21 s=58
